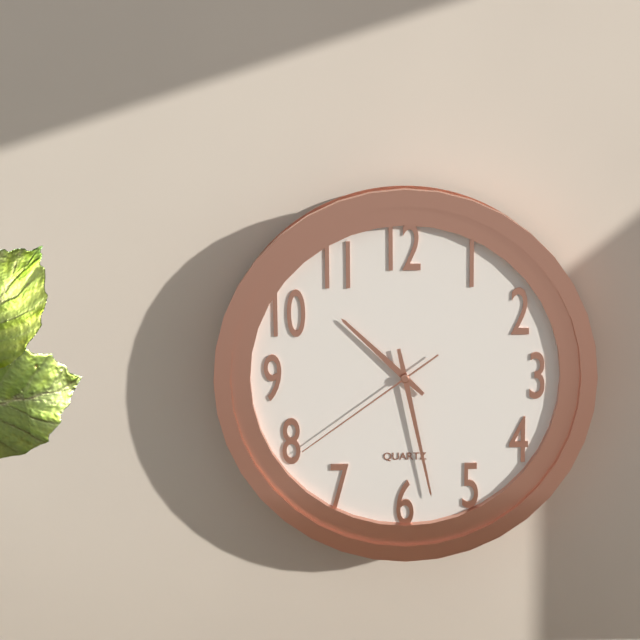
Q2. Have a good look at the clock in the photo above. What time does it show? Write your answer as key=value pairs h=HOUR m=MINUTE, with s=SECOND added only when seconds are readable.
h=10 m=28 s=39
